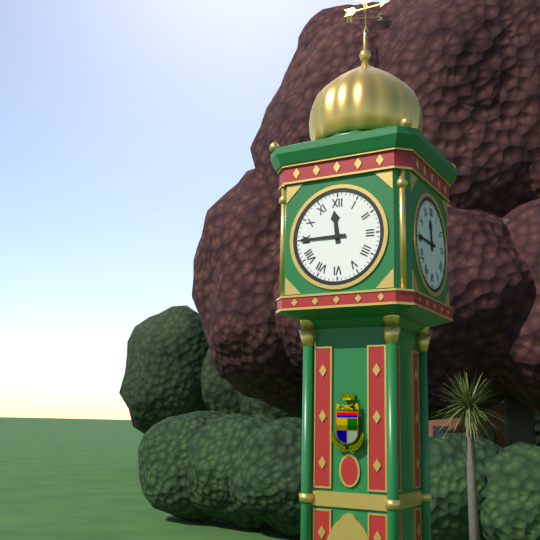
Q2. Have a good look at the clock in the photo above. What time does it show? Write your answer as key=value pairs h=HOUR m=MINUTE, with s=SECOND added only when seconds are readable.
h=11 m=45
